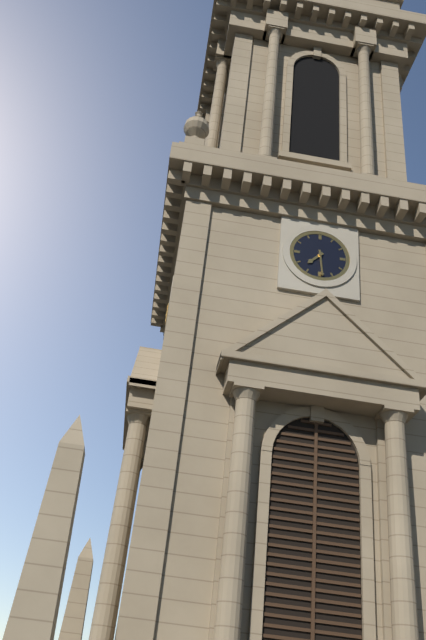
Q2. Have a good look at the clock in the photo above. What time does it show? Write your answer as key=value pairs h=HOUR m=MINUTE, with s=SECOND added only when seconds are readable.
h=7 m=29
